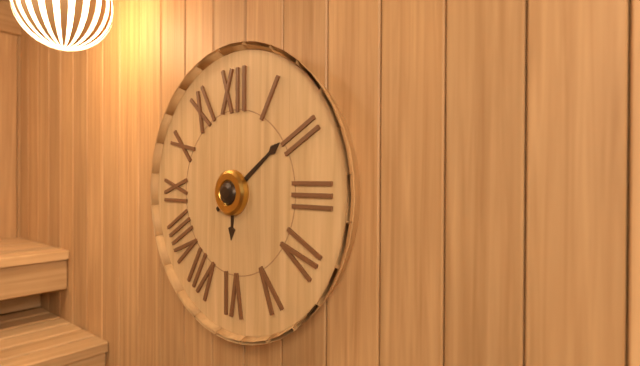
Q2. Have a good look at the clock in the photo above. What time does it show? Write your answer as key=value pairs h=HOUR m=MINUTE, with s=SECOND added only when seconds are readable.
h=6 m=9
